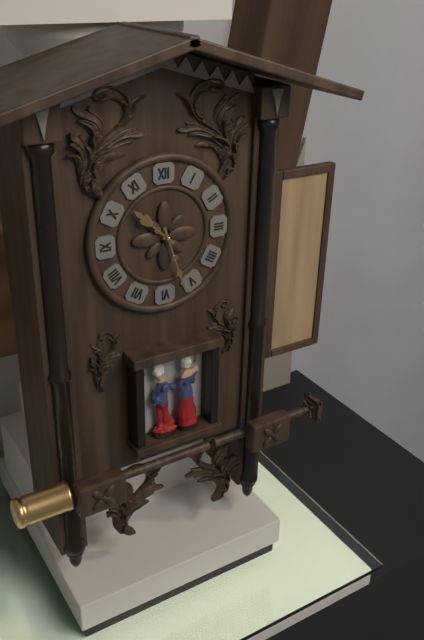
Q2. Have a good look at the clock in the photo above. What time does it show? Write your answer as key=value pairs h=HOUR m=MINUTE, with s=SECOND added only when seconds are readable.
h=10 m=27
